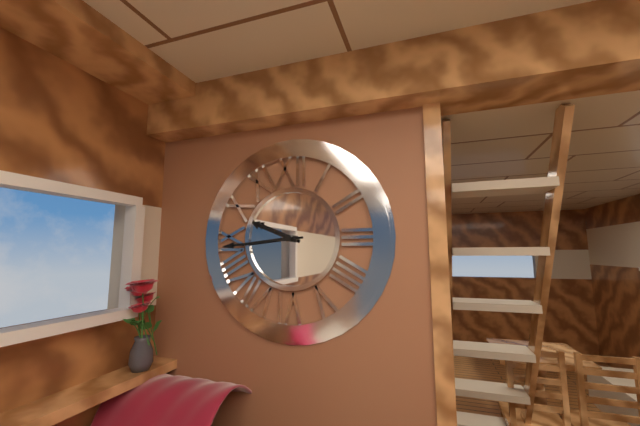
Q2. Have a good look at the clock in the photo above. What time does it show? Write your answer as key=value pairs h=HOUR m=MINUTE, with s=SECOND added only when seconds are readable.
h=9 m=44
